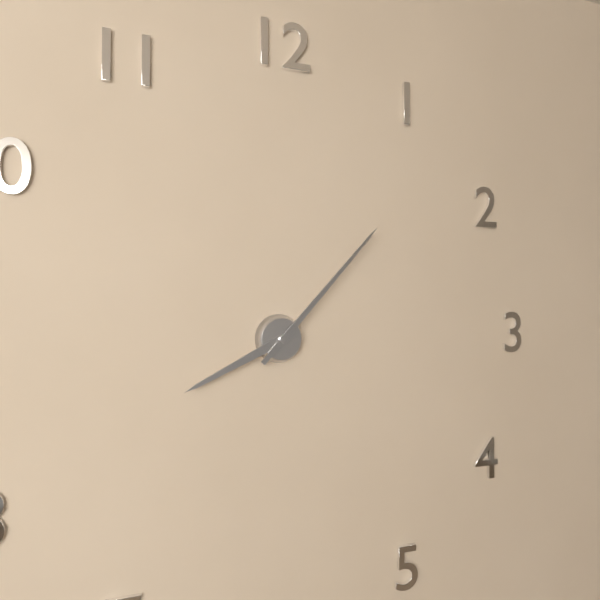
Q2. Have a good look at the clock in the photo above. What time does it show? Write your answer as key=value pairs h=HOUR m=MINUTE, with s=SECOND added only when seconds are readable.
h=8 m=7
